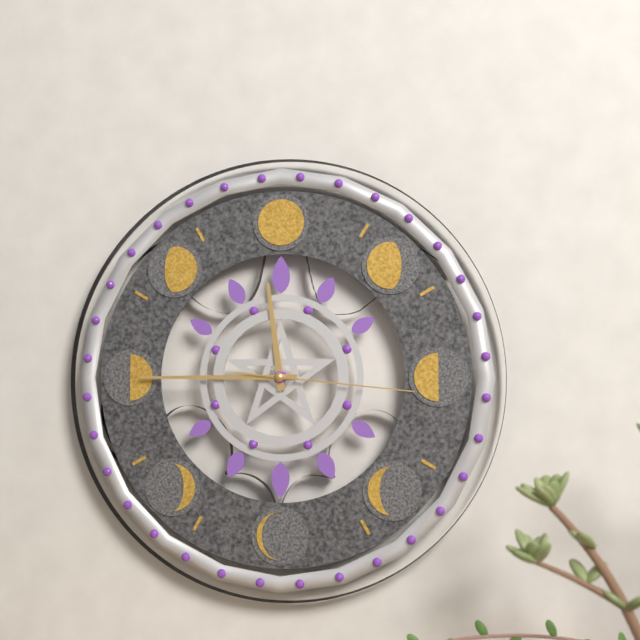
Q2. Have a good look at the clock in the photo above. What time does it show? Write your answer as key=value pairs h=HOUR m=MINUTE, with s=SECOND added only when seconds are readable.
h=11 m=45 s=16
